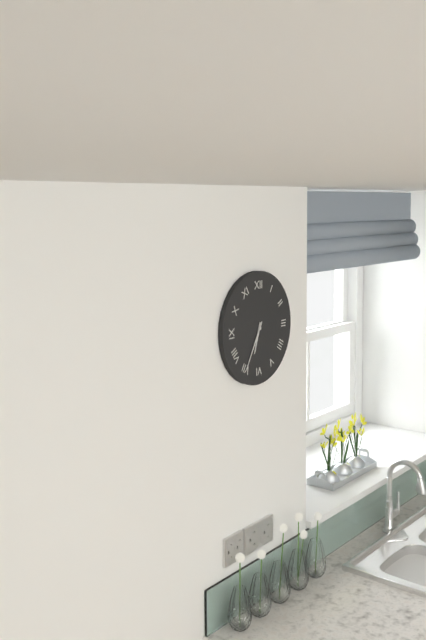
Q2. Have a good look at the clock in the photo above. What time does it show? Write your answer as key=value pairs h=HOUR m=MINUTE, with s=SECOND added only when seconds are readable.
h=6 m=35
